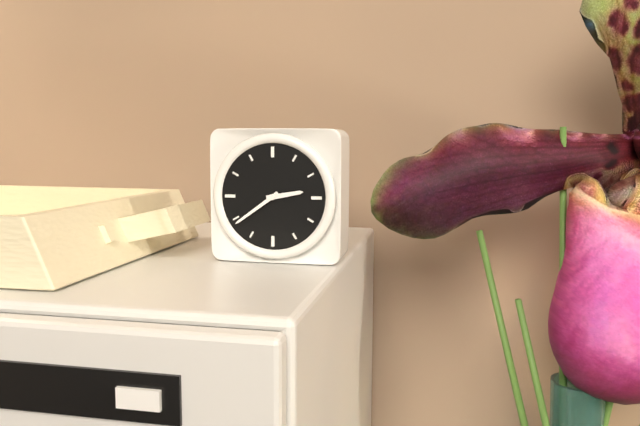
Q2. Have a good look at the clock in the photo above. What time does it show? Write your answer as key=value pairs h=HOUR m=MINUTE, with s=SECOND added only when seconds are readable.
h=2 m=39
